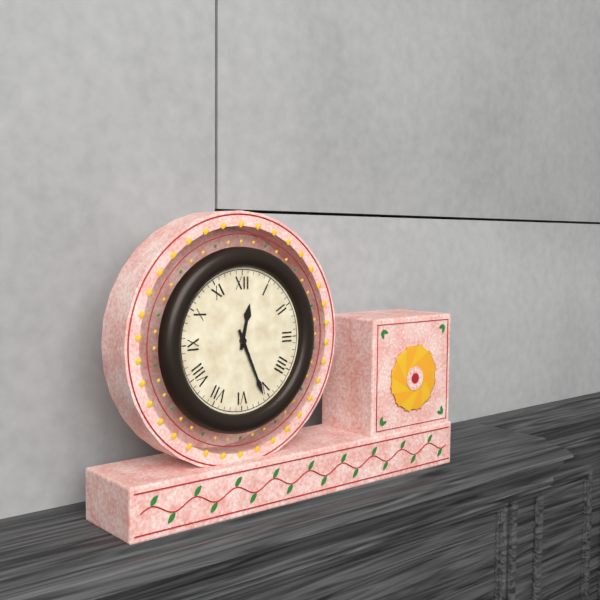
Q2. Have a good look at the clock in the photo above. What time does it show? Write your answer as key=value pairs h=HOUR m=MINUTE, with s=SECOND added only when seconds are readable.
h=12 m=26
